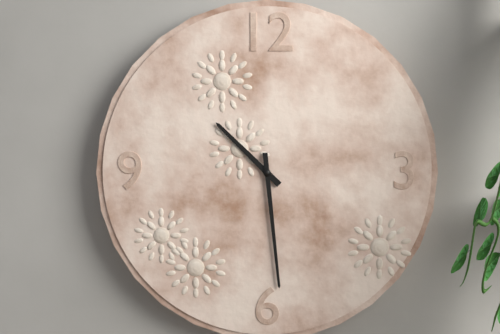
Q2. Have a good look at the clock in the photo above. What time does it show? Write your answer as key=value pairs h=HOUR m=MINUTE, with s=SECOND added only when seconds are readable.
h=10 m=29
